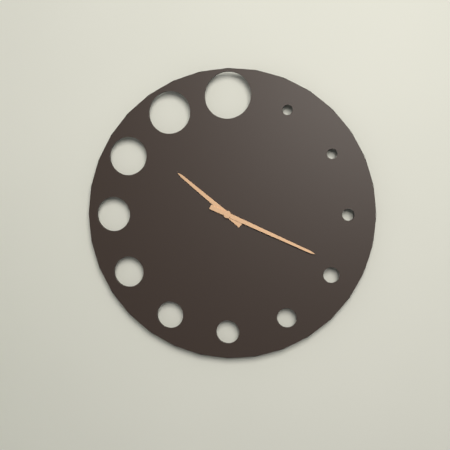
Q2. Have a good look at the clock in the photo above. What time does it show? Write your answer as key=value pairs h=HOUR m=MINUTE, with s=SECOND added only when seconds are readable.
h=10 m=19
